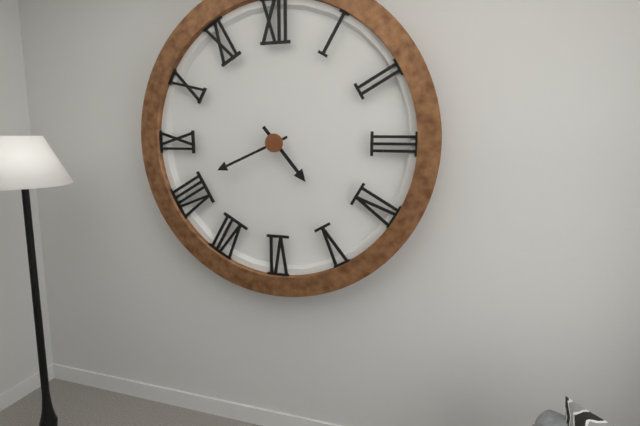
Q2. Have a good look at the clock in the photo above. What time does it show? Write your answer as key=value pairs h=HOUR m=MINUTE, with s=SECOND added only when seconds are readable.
h=4 m=41
